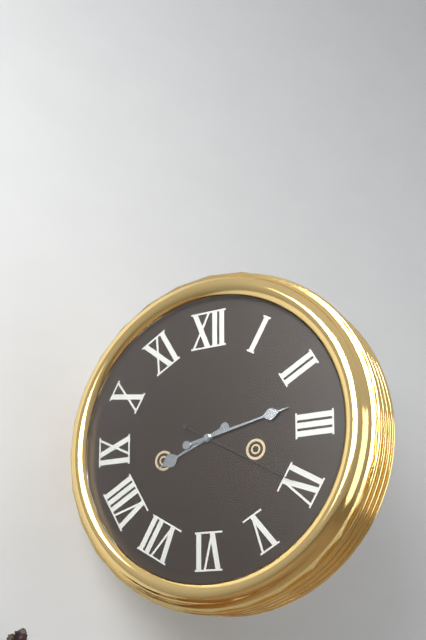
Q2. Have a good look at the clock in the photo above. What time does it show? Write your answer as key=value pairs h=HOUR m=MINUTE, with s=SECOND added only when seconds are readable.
h=8 m=13 s=20
